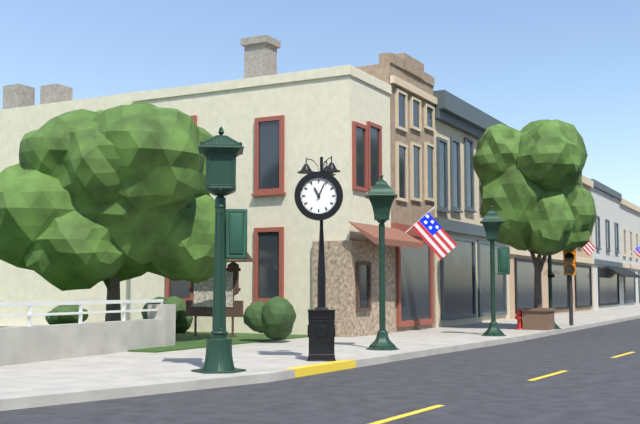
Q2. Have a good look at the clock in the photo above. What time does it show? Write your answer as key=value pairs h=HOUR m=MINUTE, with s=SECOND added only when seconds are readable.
h=11 m=4
